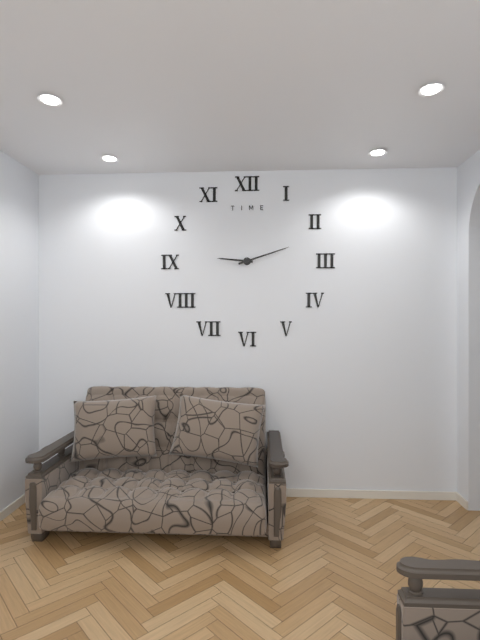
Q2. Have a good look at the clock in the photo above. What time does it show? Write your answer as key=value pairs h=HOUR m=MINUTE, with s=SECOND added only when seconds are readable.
h=9 m=12
